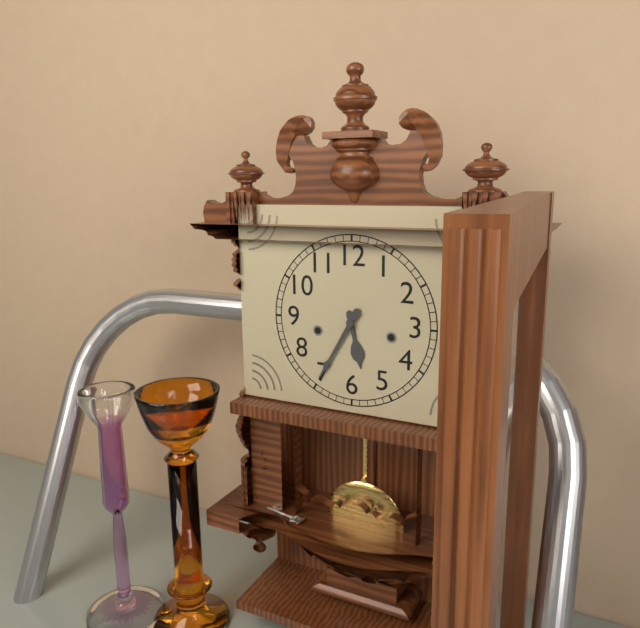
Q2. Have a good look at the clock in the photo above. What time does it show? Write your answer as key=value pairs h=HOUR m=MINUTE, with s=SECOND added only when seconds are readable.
h=5 m=35
